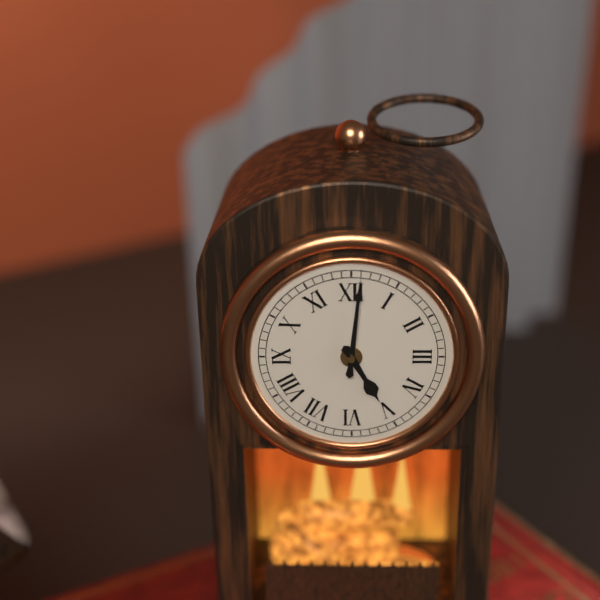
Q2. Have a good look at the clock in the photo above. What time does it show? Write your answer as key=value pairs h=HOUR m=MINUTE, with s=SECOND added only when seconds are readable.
h=5 m=1
